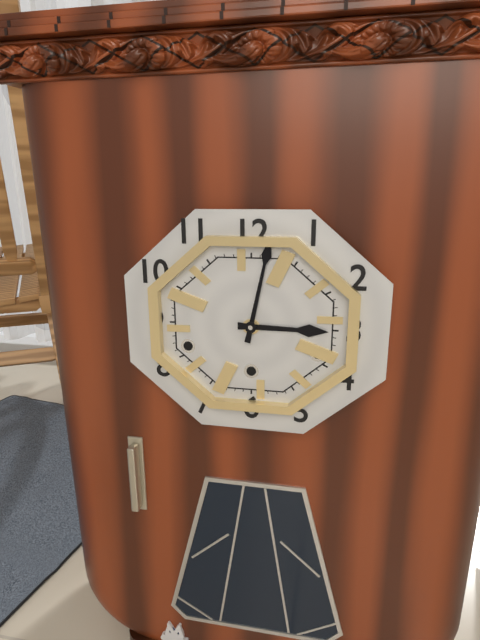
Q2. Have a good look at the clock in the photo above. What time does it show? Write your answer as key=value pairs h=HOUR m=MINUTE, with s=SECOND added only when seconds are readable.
h=3 m=2
